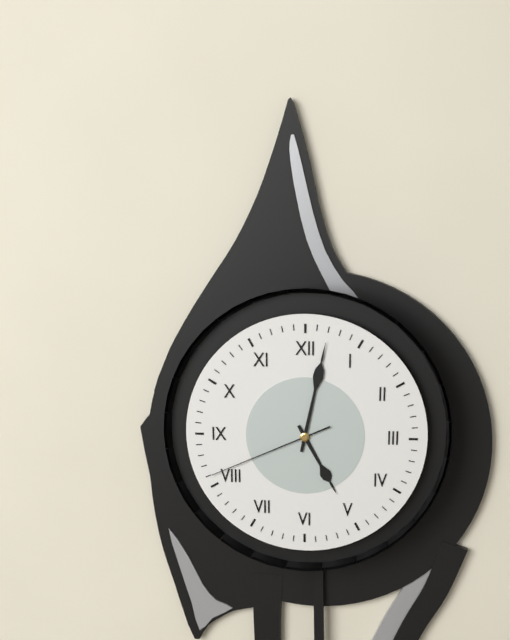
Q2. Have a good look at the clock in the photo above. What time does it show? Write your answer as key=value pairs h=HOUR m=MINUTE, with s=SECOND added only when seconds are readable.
h=5 m=2 s=41
